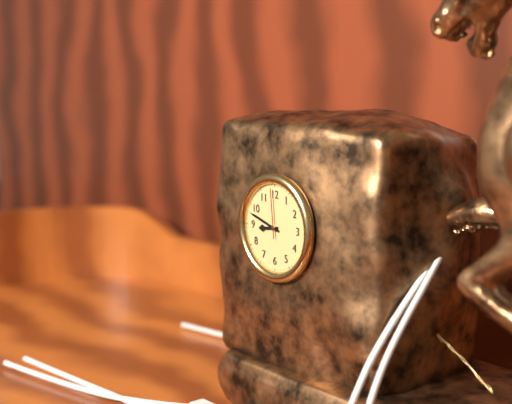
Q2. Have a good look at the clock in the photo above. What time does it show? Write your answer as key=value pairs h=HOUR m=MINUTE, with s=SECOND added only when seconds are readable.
h=8 m=48 s=59
